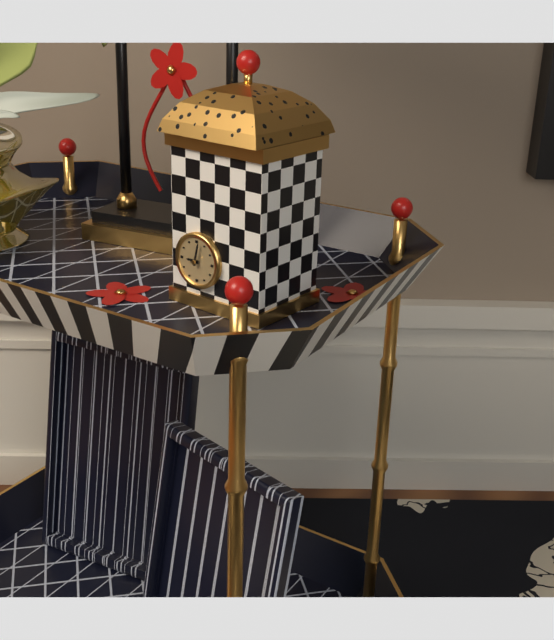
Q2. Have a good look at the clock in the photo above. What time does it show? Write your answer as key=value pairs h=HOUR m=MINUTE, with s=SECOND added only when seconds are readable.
h=9 m=2
